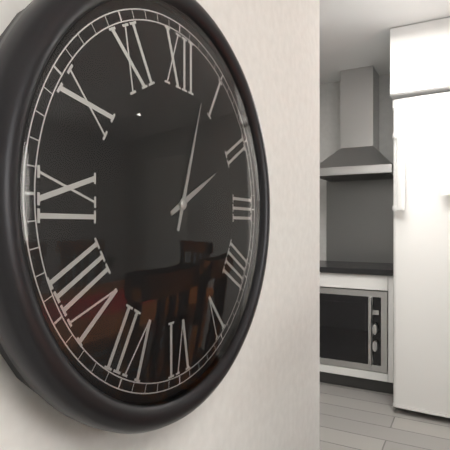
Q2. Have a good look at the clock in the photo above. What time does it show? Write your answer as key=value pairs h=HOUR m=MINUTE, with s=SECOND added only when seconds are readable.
h=2 m=3
